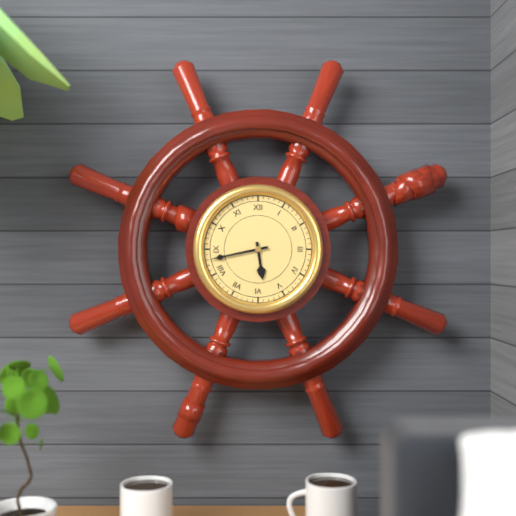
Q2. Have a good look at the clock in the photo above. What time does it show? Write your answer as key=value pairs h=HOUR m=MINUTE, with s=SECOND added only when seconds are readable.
h=5 m=43
